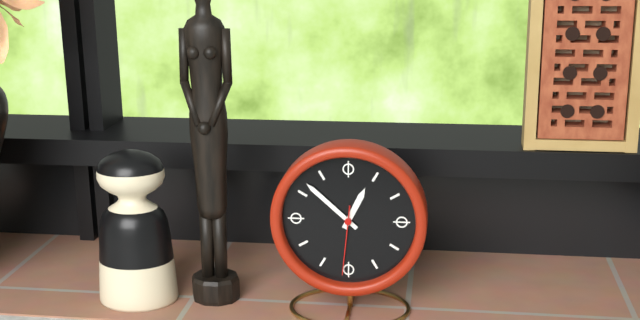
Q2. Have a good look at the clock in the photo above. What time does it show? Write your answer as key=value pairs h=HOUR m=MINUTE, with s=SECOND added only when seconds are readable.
h=12 m=52 s=31
